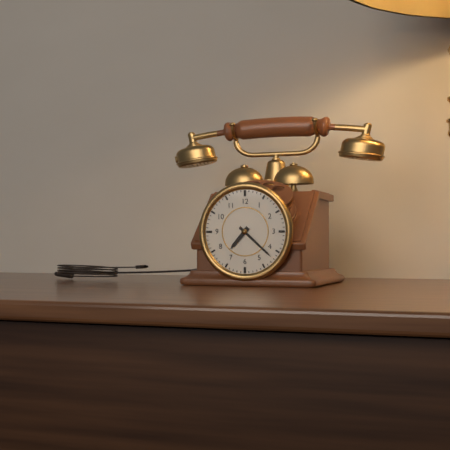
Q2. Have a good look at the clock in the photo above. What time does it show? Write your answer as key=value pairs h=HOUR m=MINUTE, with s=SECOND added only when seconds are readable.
h=7 m=22
